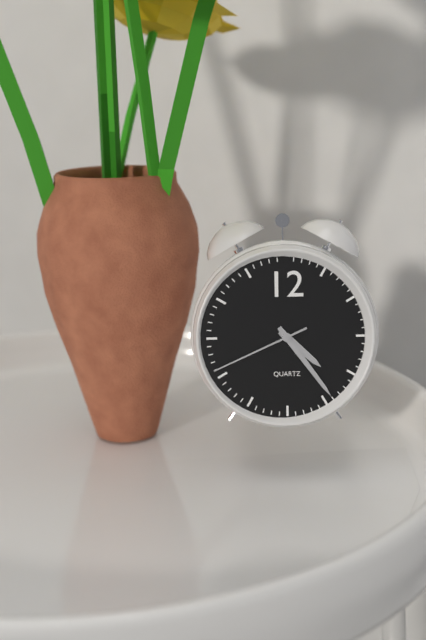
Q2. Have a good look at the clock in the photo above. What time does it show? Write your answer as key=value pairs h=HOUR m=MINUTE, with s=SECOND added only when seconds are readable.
h=4 m=24 s=41
